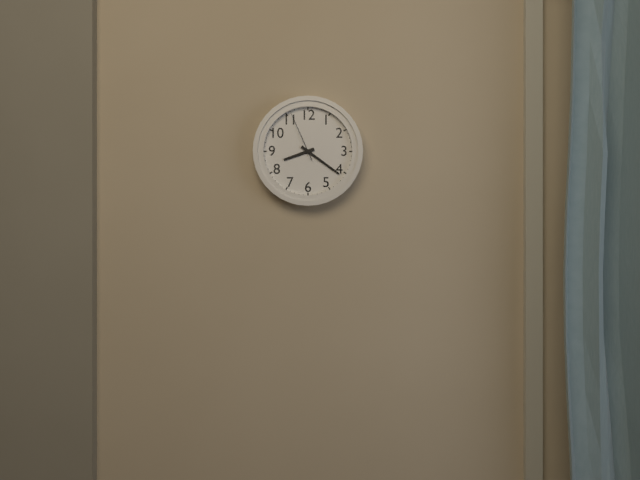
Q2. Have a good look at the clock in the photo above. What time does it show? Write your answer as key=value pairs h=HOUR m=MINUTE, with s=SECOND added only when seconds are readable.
h=8 m=21 s=56
